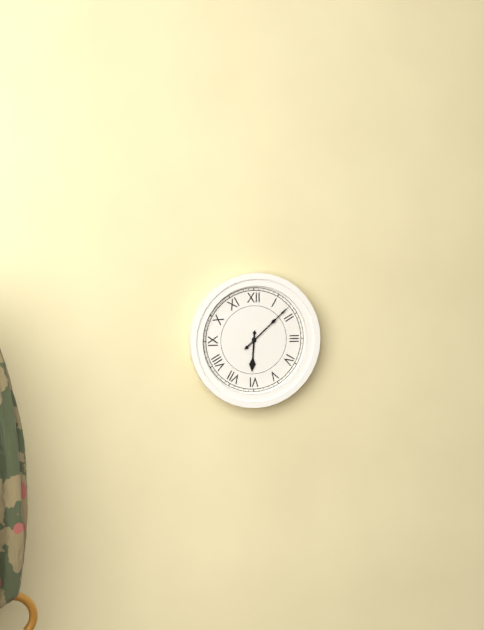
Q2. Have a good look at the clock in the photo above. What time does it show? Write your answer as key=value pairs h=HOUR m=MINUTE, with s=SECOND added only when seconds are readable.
h=6 m=8
